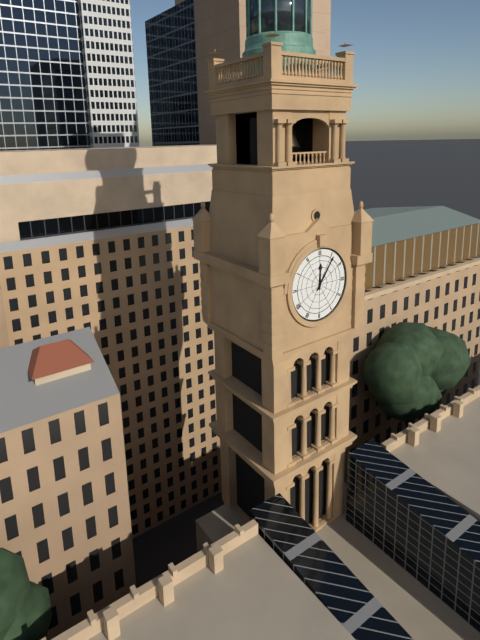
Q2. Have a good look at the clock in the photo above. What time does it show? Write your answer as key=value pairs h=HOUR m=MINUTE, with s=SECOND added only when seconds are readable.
h=12 m=6
